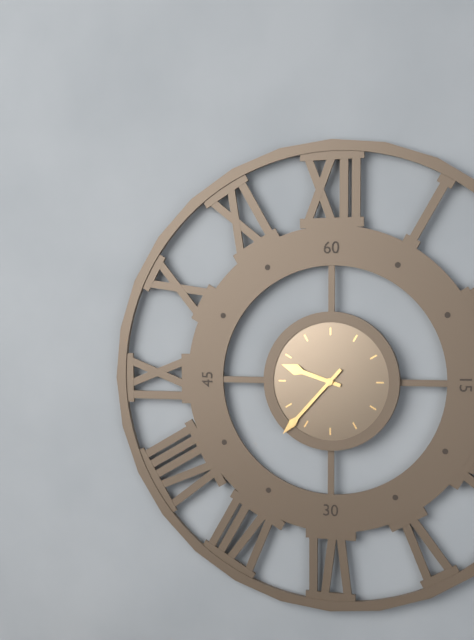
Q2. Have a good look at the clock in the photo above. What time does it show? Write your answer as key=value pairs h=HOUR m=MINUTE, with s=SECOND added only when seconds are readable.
h=9 m=37
